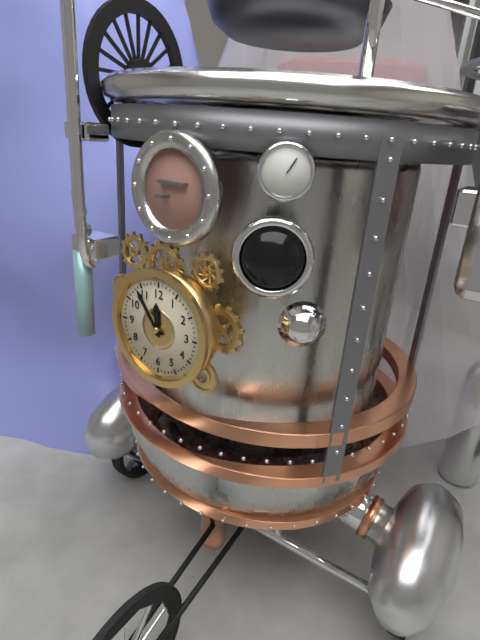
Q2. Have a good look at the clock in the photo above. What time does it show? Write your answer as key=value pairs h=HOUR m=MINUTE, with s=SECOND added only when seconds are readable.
h=11 m=54
